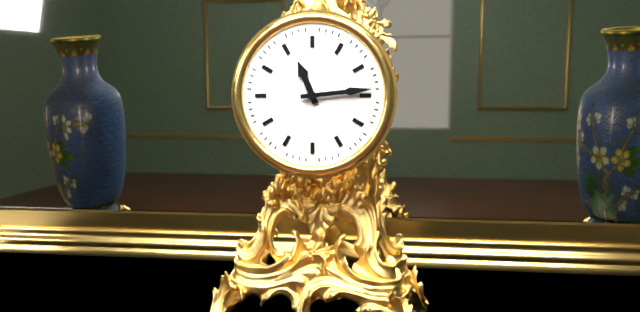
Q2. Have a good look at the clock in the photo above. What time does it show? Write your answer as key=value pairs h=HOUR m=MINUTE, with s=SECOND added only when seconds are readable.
h=11 m=14
